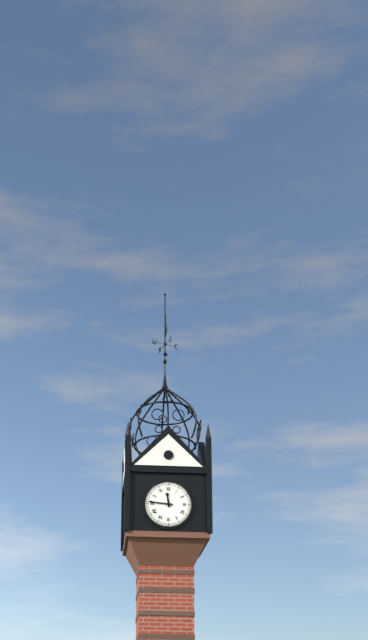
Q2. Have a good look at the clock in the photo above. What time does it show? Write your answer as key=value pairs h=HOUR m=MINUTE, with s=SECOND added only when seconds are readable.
h=11 m=46
